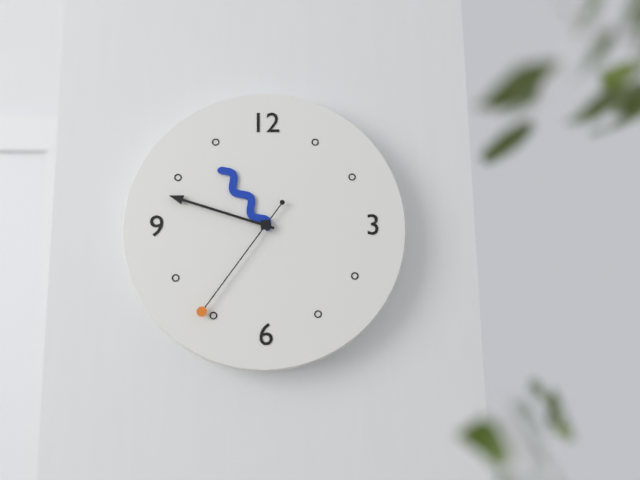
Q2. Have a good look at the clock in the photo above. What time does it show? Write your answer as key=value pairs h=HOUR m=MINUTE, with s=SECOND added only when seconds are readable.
h=10 m=48 s=36
